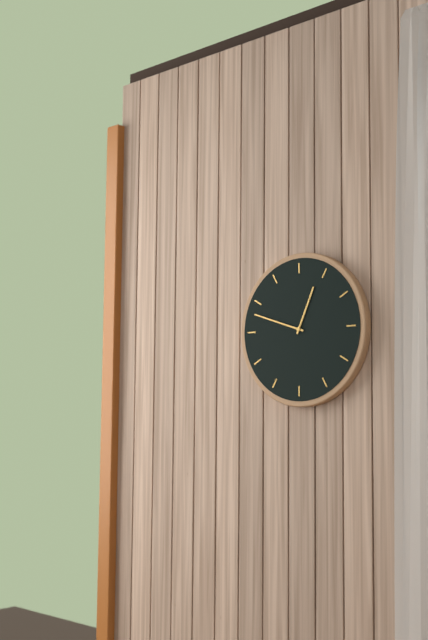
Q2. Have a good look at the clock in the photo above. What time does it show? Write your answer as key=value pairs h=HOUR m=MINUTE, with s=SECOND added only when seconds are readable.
h=12 m=48
